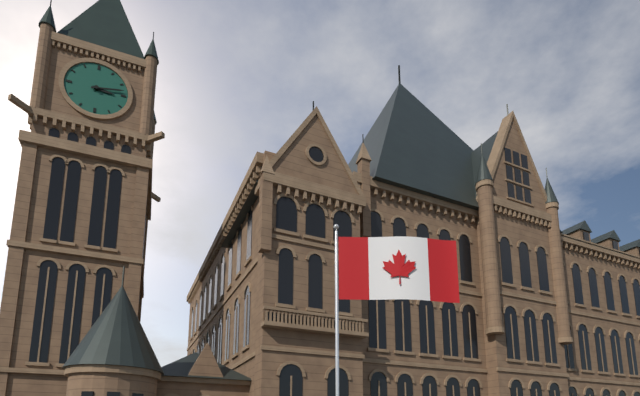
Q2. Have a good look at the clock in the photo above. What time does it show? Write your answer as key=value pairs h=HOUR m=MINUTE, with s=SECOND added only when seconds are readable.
h=3 m=13
